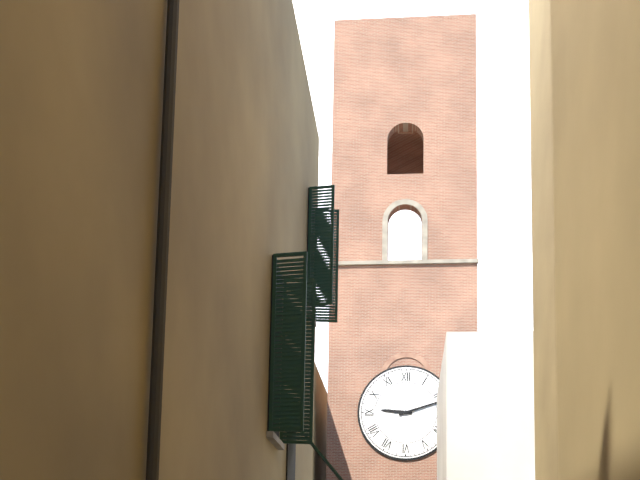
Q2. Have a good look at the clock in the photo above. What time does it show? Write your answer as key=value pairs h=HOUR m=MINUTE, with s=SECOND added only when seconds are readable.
h=9 m=12
